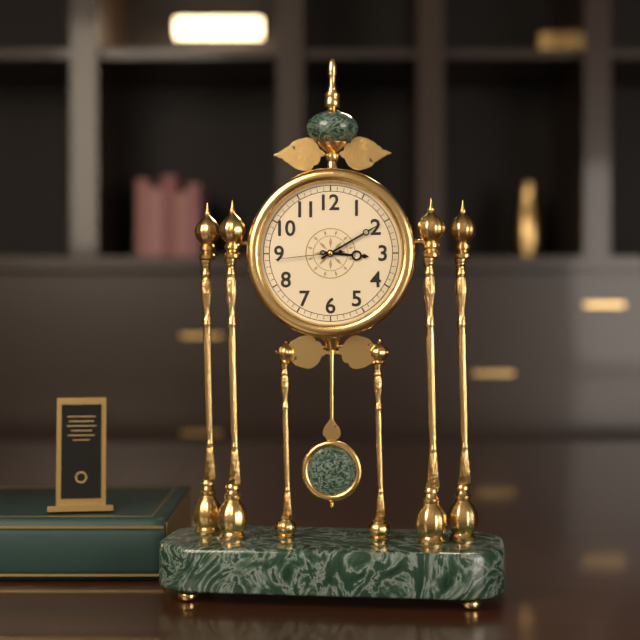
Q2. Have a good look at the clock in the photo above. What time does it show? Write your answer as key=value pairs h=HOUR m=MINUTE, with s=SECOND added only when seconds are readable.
h=3 m=10 s=44
